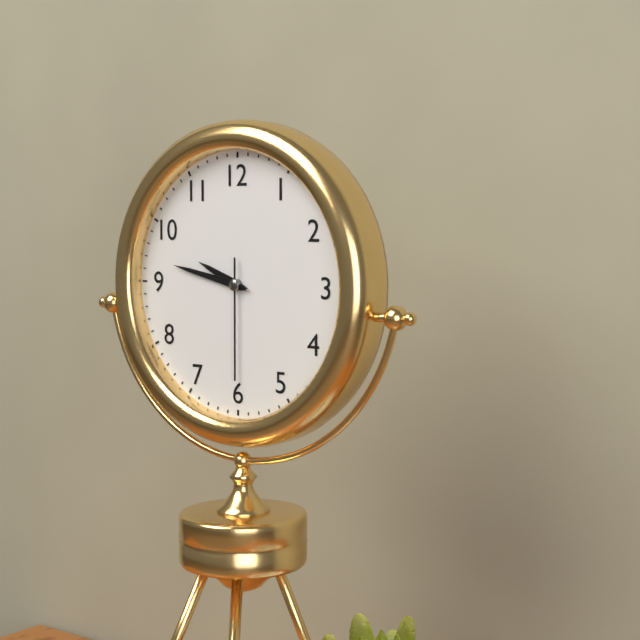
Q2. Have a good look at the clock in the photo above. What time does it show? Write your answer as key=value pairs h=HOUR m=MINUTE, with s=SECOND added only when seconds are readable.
h=9 m=47 s=30
